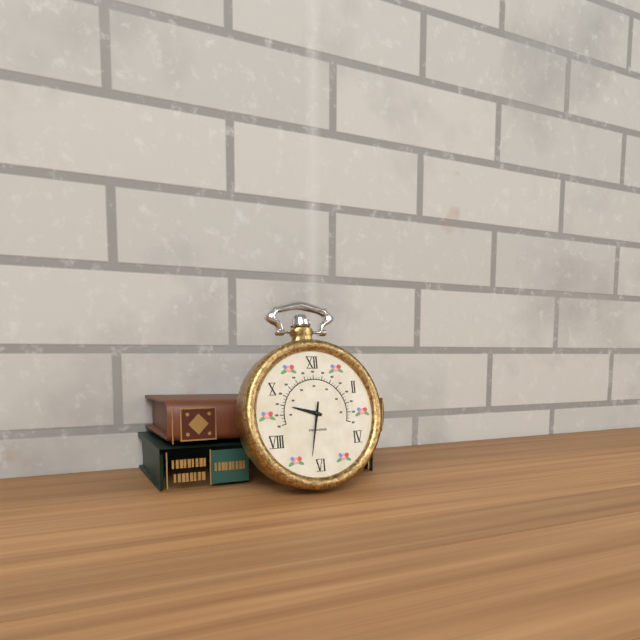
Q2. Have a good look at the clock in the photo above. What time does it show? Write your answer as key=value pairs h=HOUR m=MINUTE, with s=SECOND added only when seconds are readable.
h=9 m=32
